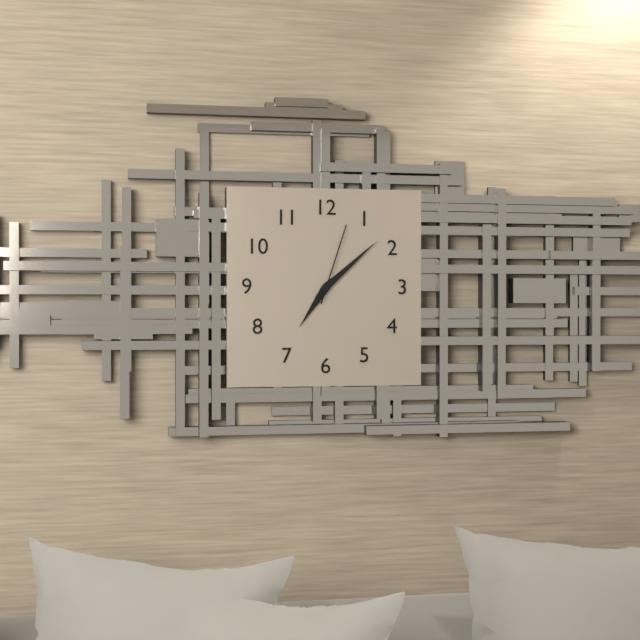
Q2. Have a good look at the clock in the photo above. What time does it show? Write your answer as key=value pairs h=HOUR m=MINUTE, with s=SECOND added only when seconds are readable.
h=7 m=8 s=3
